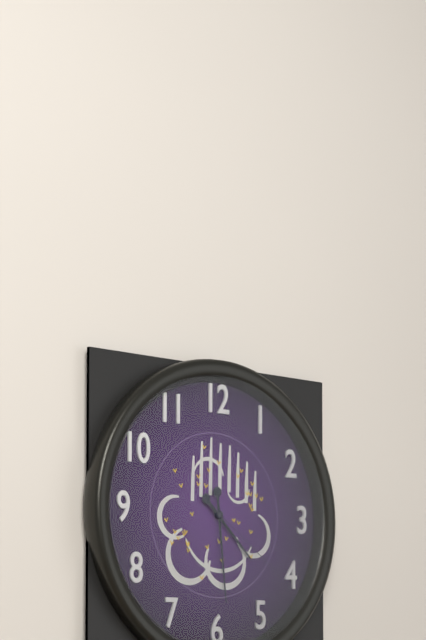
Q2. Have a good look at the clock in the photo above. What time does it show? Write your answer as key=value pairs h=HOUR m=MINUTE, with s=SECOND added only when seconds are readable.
h=4 m=29 s=21
